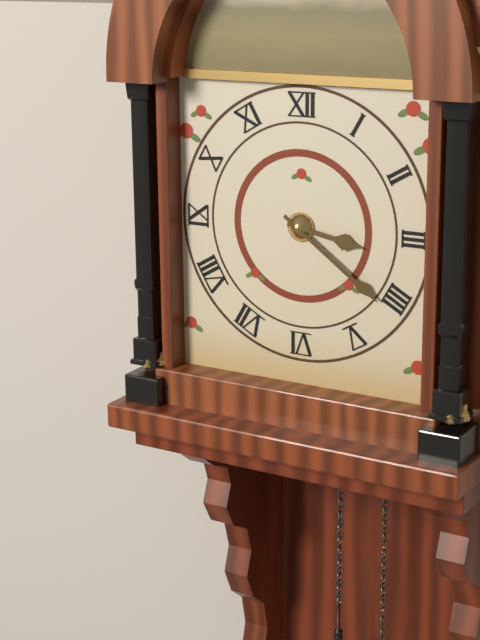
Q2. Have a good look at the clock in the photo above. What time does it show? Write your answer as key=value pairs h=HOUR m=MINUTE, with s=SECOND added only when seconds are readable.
h=3 m=21
